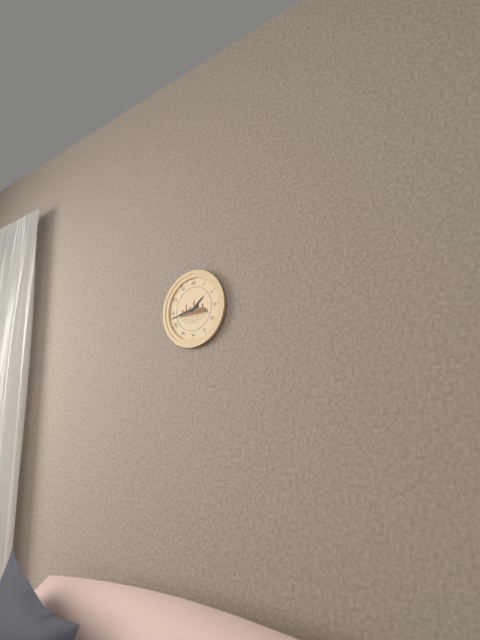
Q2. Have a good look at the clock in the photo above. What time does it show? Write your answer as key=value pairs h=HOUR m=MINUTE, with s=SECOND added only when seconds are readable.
h=1 m=43
